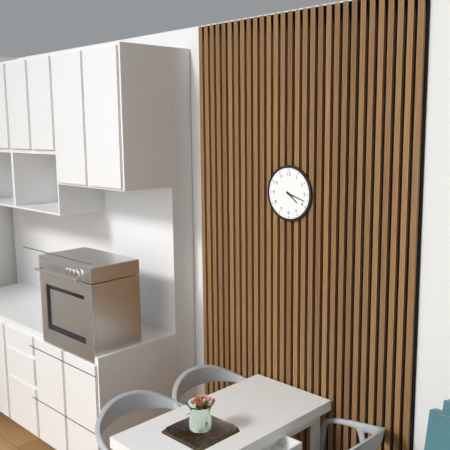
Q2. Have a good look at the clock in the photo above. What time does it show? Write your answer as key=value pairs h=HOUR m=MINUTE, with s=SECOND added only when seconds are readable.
h=4 m=18
